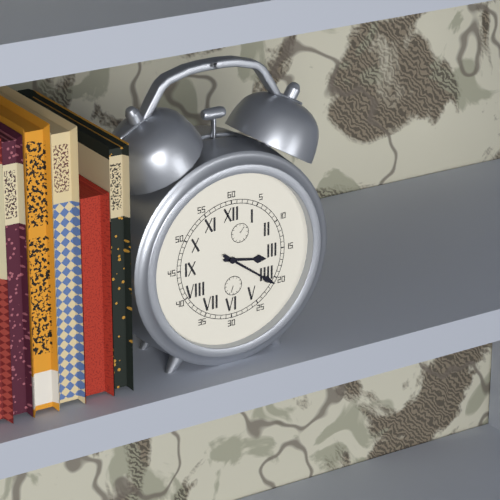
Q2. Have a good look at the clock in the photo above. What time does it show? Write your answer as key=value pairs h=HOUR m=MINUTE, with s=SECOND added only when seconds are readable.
h=3 m=21
